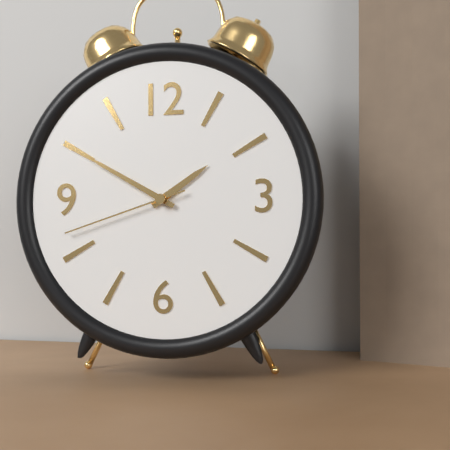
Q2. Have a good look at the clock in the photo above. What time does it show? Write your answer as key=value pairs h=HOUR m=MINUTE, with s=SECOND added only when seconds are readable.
h=1 m=50 s=42
